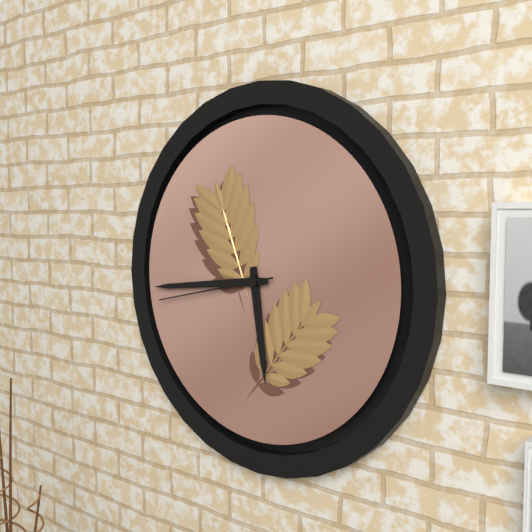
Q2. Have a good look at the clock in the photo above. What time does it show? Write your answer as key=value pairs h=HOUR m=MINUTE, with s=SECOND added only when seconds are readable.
h=5 m=44 s=43
